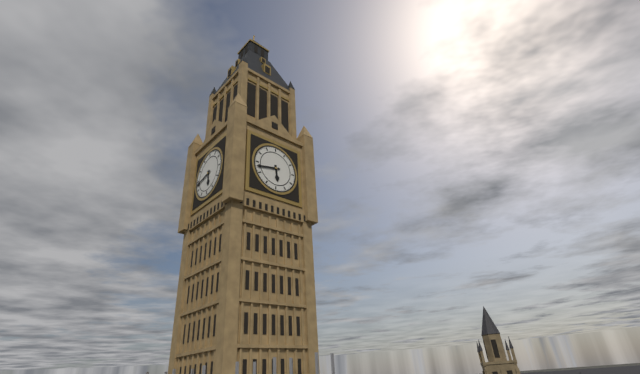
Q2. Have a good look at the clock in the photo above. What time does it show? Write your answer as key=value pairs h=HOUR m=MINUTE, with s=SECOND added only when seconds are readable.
h=5 m=43
